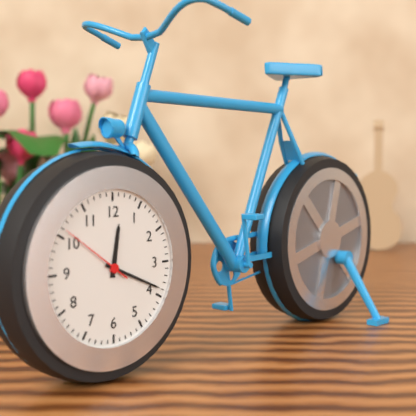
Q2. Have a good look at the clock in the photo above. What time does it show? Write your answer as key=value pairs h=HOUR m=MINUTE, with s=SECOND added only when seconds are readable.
h=12 m=19 s=51
